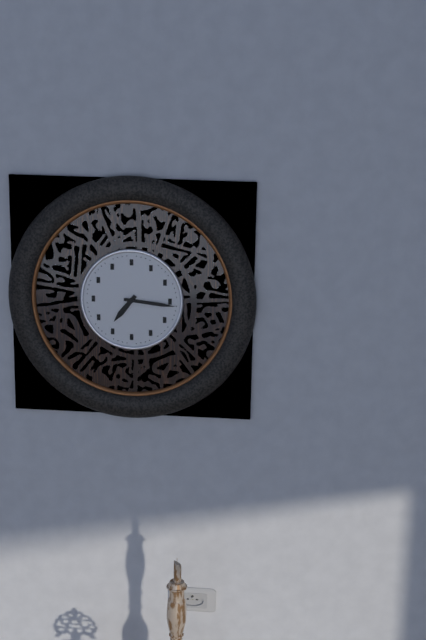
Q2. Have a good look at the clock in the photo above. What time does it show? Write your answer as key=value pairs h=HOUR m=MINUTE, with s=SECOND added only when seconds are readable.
h=7 m=16
